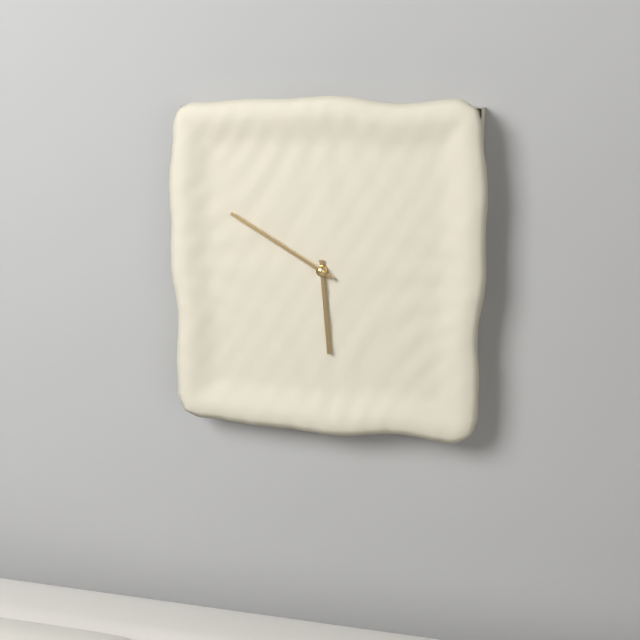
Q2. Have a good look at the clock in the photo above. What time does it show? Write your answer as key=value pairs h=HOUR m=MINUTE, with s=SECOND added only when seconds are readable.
h=5 m=50
